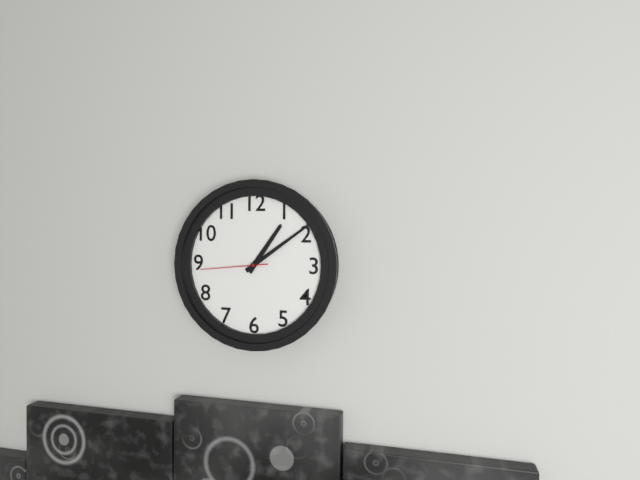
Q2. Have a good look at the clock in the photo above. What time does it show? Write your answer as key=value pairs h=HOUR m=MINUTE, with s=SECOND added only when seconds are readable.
h=1 m=9 s=44
